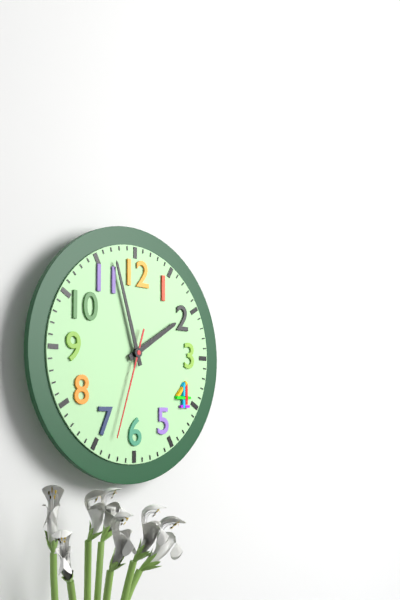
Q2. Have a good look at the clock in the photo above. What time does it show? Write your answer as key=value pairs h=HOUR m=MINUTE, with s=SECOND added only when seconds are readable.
h=1 m=57 s=33
